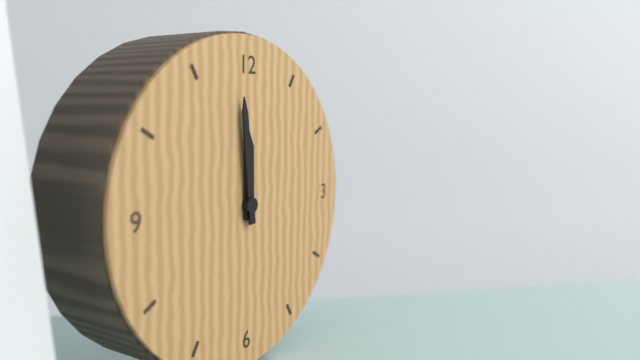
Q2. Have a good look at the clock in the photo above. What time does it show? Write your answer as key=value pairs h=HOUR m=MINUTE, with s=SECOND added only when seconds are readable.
h=11 m=59
